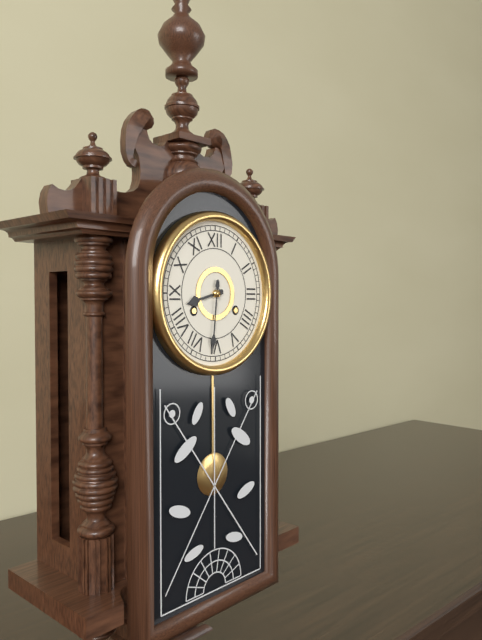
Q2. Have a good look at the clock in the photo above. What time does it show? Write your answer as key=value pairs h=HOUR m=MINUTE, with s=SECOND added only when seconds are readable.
h=8 m=31
